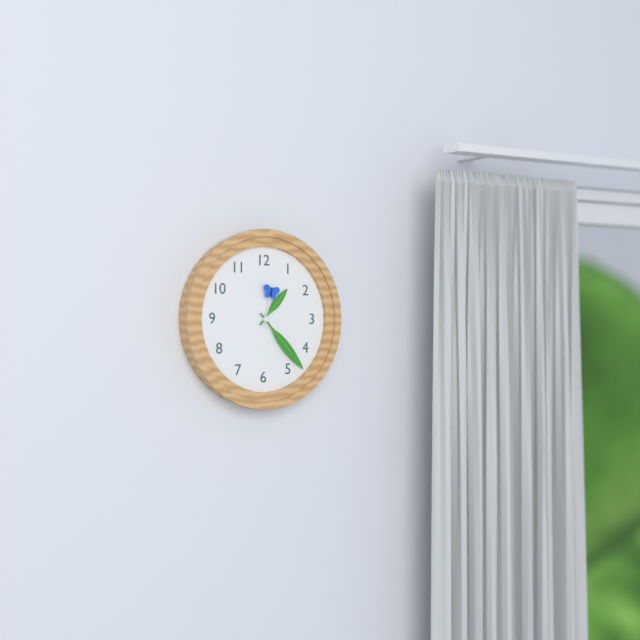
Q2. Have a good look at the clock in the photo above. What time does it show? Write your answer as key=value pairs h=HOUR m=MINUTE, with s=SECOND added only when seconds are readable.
h=1 m=23
